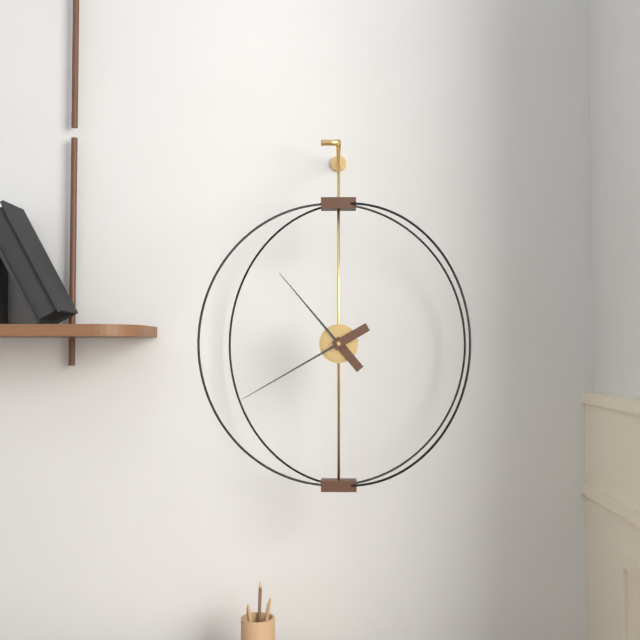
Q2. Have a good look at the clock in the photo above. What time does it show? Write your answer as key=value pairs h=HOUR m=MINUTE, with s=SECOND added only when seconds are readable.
h=10 m=40
